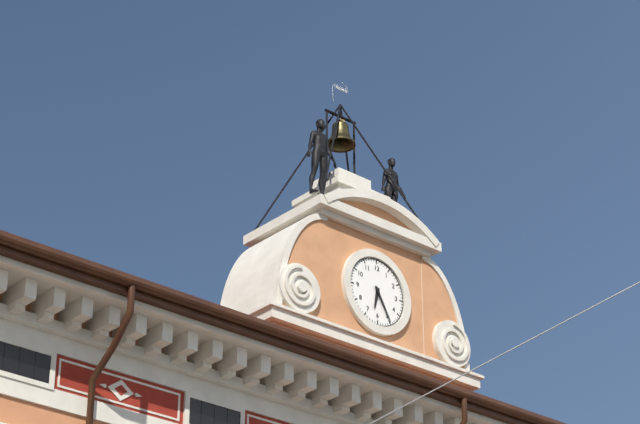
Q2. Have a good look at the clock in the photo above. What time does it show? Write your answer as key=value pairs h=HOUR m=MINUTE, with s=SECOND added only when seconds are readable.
h=6 m=25
